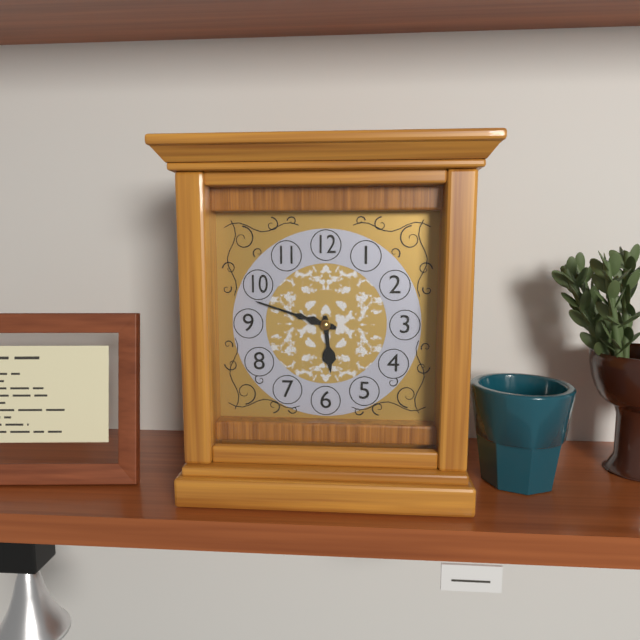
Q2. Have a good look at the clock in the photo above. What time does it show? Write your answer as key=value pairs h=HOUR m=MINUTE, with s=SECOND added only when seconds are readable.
h=5 m=48
